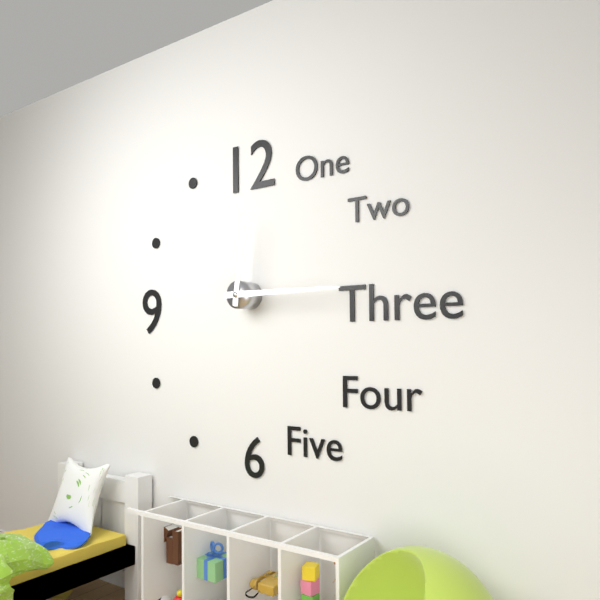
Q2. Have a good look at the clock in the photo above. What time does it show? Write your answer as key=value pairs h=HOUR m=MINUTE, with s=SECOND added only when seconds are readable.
h=12 m=15
